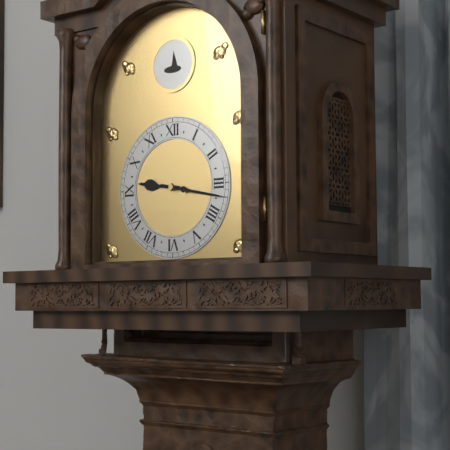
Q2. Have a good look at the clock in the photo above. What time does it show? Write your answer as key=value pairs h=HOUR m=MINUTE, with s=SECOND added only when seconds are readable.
h=9 m=17
